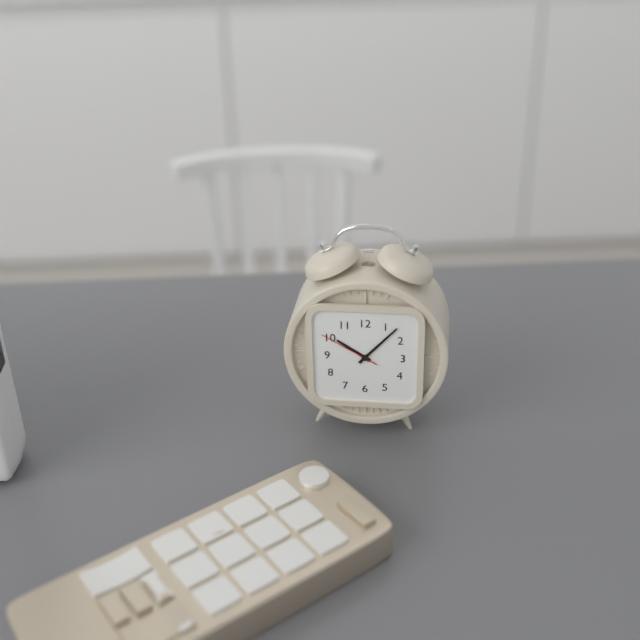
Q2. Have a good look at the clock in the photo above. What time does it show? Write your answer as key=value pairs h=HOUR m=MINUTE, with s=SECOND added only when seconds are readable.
h=10 m=7 s=50
